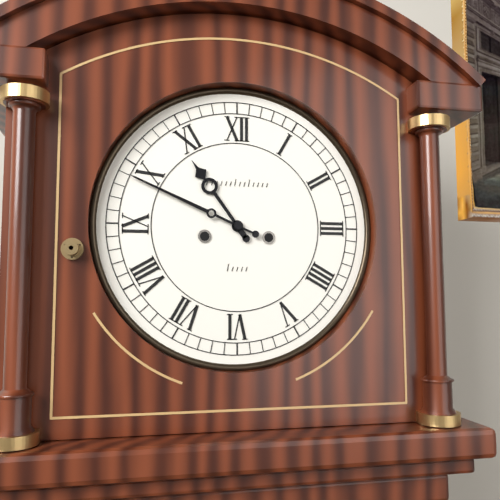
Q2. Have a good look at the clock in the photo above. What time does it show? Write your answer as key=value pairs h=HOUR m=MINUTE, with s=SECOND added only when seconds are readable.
h=10 m=49
